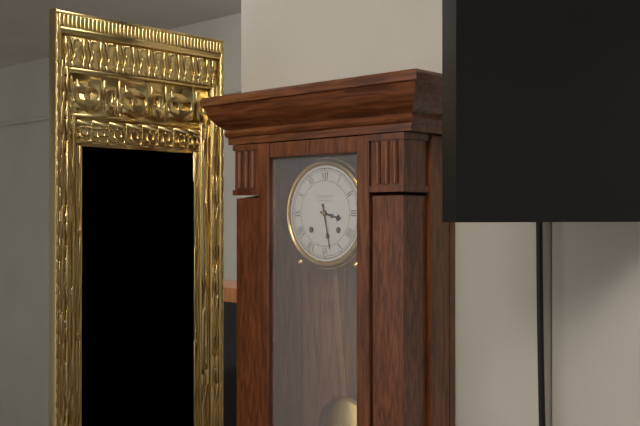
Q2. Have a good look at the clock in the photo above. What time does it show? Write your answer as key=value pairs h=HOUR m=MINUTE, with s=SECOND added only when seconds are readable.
h=3 m=28
